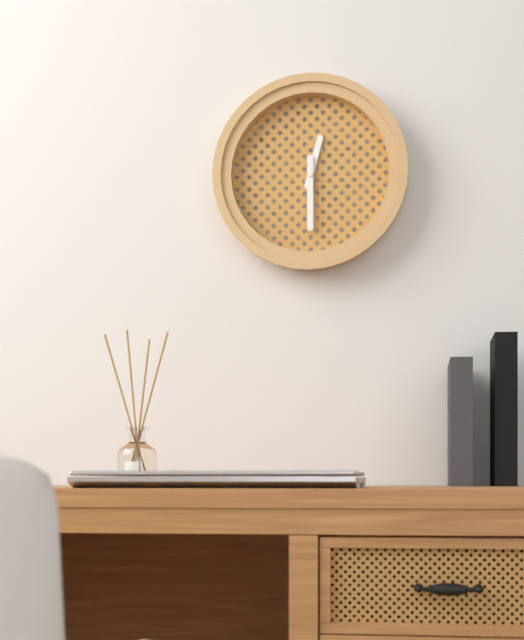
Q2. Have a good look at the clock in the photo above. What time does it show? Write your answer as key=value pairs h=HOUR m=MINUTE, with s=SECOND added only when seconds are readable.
h=12 m=30
